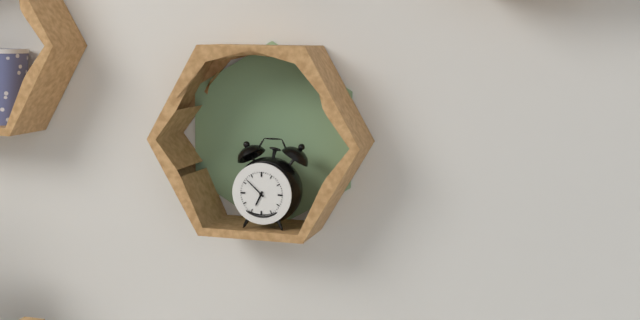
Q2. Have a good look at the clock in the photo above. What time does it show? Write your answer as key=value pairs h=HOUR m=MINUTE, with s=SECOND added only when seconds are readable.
h=6 m=52
